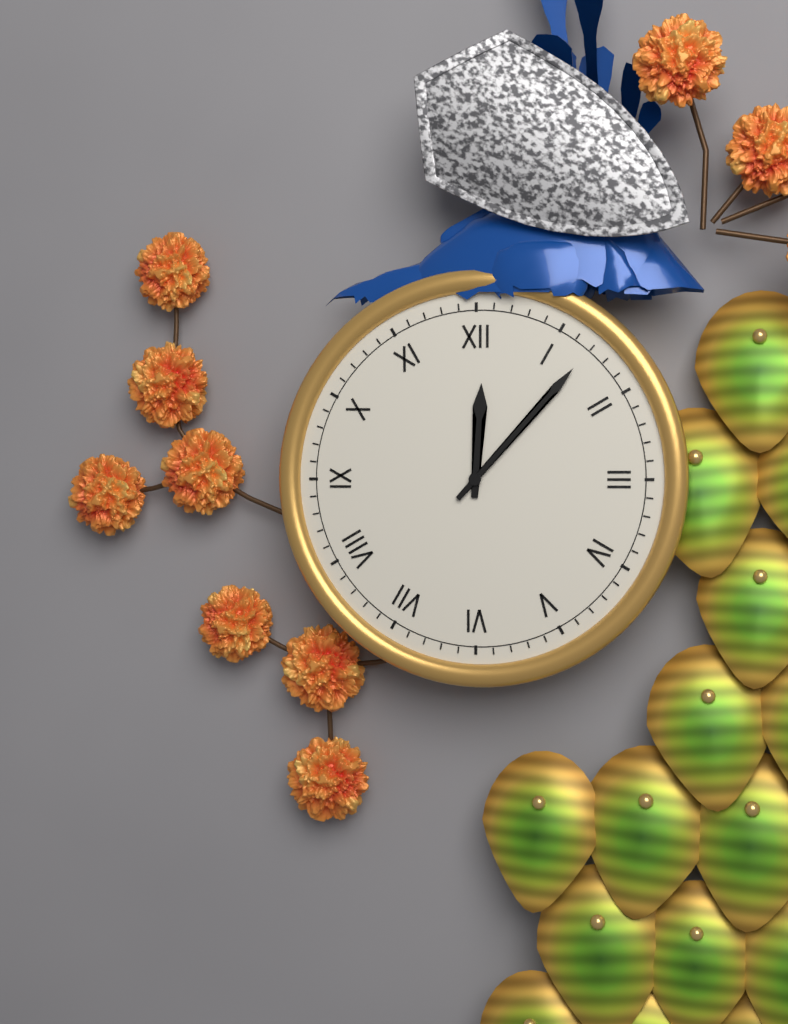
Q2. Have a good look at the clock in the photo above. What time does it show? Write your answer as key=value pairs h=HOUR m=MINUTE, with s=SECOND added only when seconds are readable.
h=12 m=7
